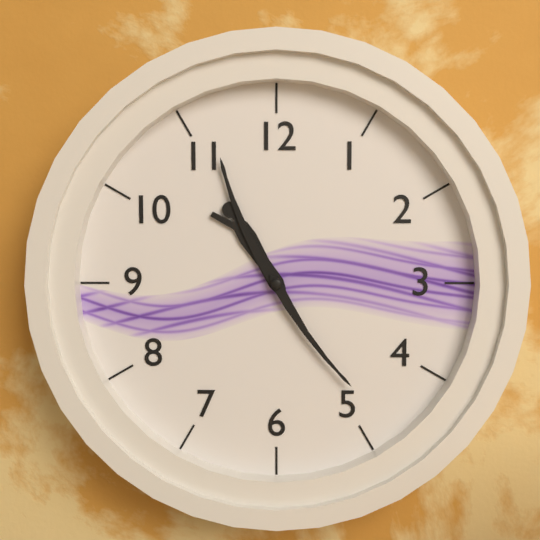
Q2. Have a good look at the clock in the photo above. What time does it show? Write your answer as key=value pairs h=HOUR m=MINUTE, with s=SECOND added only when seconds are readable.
h=10 m=56 s=24
